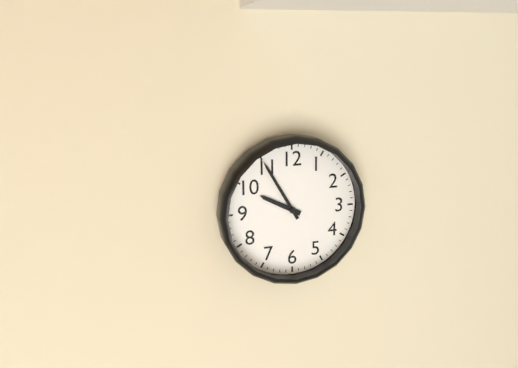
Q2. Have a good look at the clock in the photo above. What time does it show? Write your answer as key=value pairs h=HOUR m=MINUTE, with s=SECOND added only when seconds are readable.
h=9 m=55
